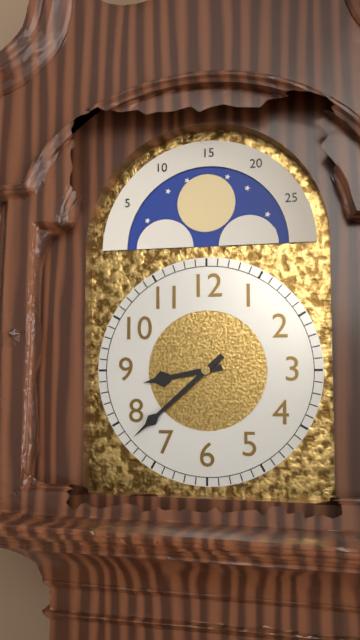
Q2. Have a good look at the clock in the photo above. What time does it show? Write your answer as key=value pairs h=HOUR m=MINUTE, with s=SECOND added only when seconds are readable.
h=8 m=38
